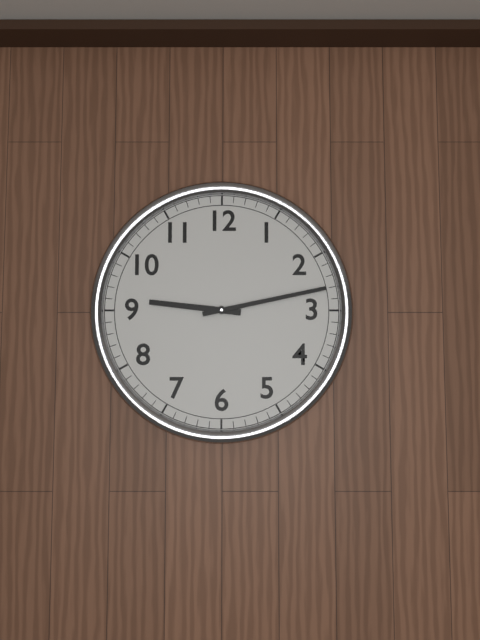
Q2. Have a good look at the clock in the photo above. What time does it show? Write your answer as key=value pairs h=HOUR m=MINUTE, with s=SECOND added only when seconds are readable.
h=9 m=13
